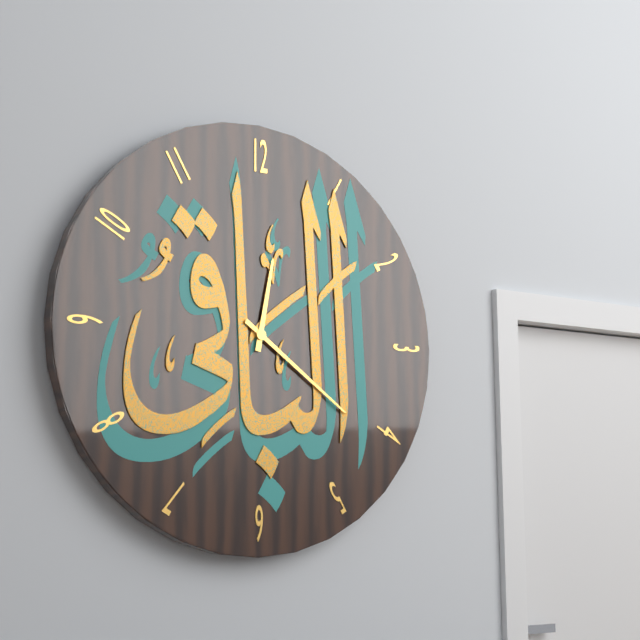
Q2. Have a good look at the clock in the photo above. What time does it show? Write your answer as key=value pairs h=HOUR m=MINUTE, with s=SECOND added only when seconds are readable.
h=12 m=21
